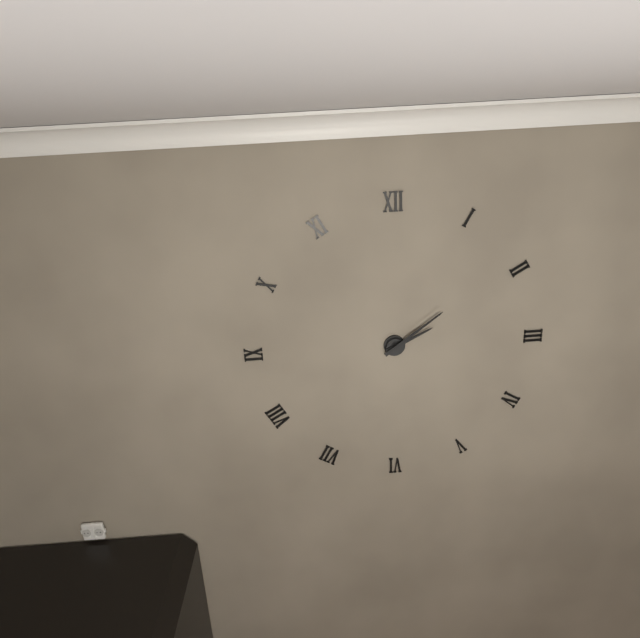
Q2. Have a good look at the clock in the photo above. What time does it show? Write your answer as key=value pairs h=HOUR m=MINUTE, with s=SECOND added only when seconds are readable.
h=2 m=9
